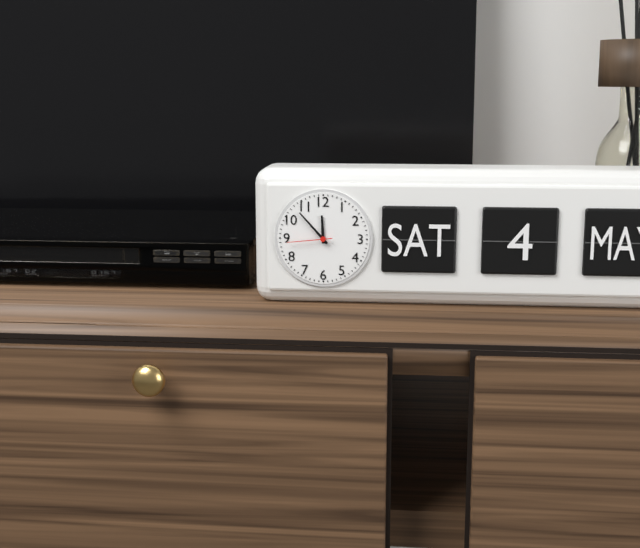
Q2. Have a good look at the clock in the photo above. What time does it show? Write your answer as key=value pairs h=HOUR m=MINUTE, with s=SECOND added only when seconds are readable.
h=11 m=53
